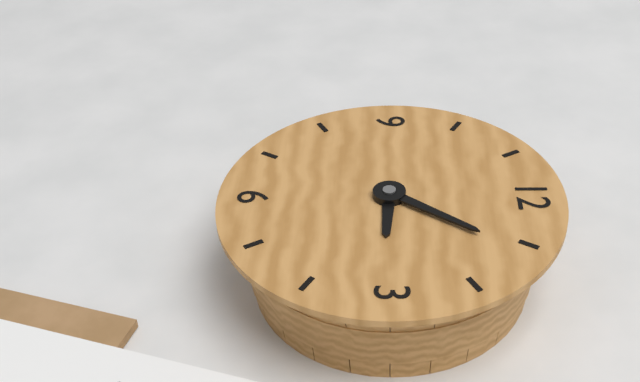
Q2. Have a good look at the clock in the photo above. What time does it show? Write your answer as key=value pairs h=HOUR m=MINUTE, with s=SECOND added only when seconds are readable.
h=3 m=6
